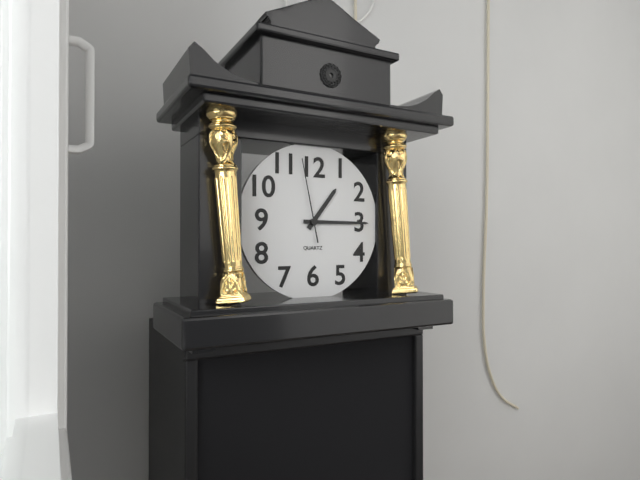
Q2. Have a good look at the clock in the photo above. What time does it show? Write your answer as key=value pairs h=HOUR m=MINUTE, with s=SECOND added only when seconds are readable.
h=1 m=15 s=58
